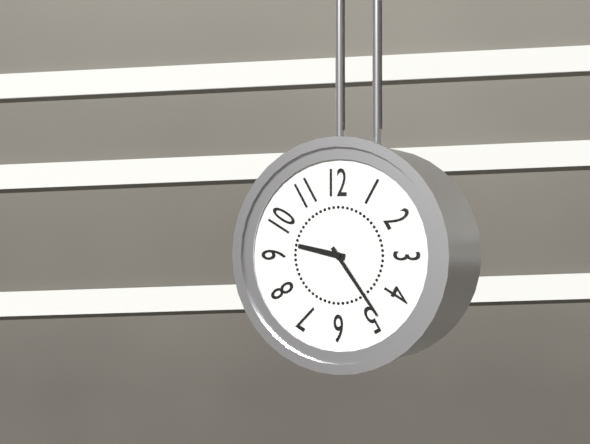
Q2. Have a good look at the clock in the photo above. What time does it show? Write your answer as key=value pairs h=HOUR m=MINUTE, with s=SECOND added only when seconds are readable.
h=9 m=24
